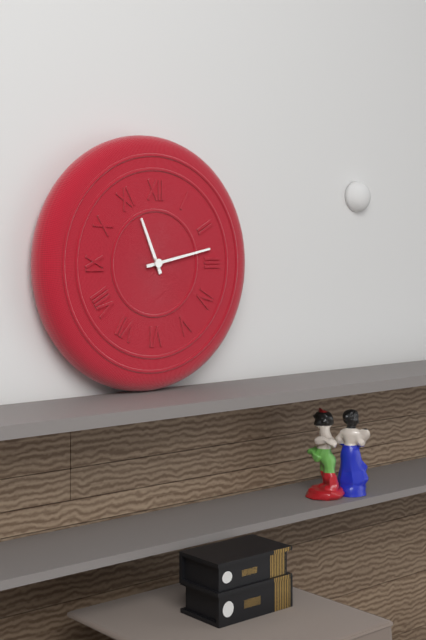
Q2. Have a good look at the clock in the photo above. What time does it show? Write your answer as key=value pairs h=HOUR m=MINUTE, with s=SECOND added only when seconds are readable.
h=11 m=13
